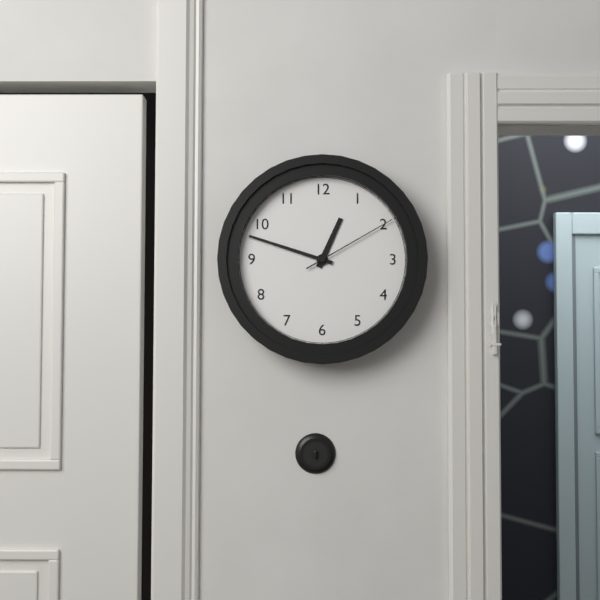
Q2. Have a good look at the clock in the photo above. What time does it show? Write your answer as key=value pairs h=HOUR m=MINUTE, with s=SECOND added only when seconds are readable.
h=12 m=48 s=10
